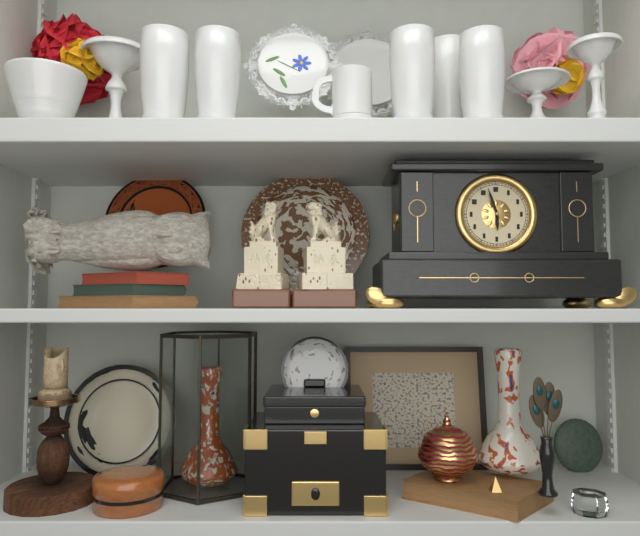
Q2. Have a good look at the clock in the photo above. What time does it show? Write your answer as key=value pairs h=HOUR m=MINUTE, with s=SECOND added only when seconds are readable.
h=5 m=57
